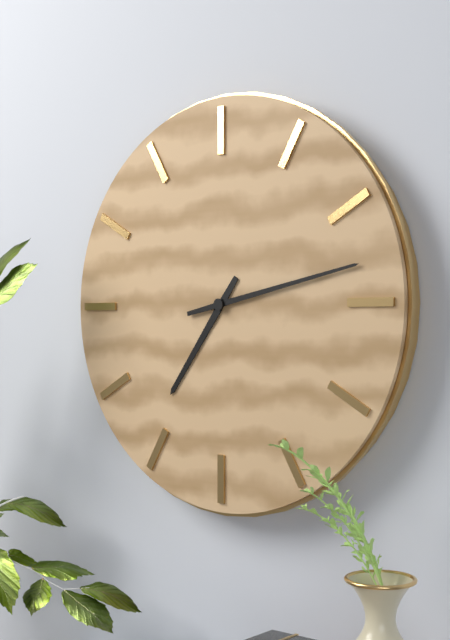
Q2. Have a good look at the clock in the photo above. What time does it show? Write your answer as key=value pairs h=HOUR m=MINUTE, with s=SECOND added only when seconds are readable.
h=7 m=13
